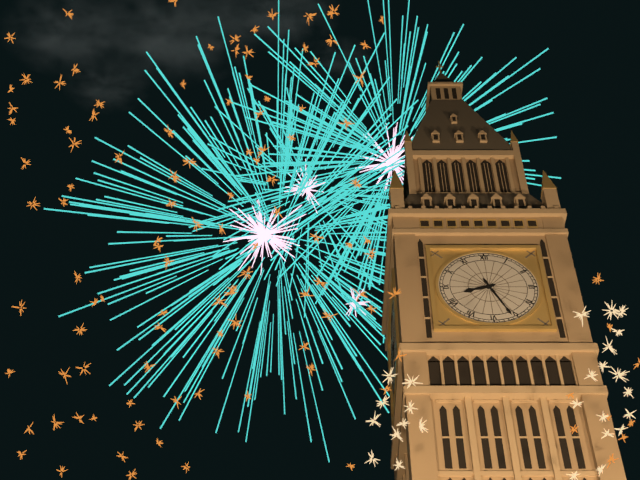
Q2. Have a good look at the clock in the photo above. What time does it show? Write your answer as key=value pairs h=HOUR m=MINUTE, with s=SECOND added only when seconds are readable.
h=8 m=26
